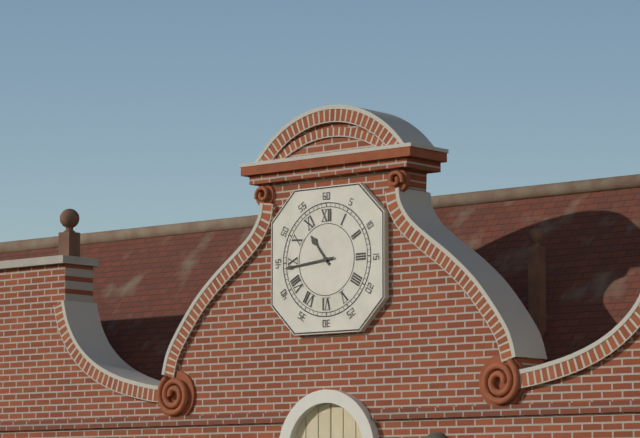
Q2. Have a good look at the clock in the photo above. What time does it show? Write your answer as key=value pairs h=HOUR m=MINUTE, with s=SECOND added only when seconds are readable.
h=10 m=44
